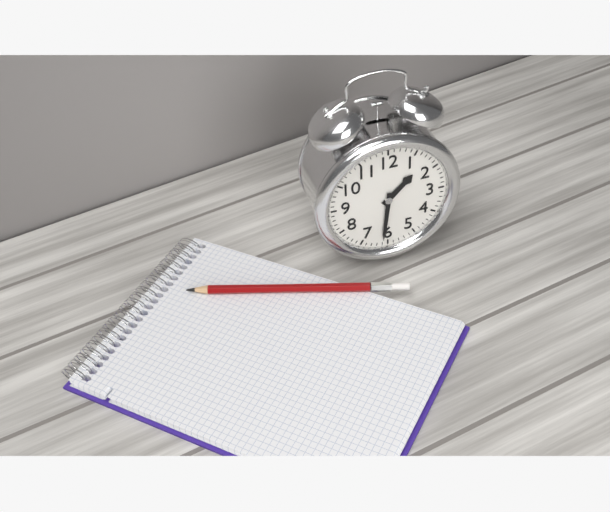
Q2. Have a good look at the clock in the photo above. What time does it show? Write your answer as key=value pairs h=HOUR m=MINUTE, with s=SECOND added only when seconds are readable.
h=1 m=31
